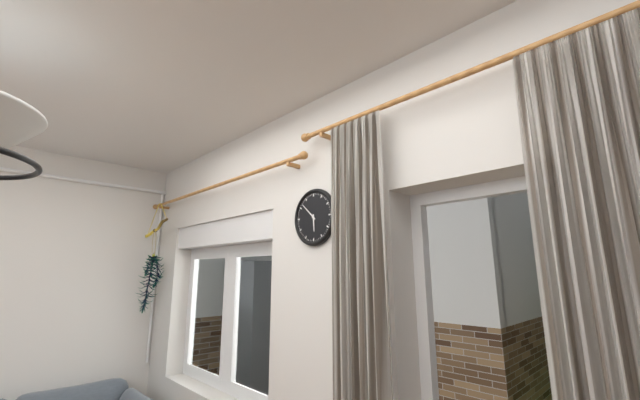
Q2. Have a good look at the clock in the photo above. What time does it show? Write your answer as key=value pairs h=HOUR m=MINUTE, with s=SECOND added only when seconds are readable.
h=5 m=52
